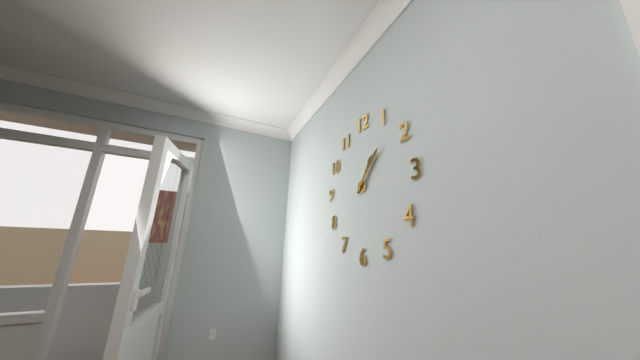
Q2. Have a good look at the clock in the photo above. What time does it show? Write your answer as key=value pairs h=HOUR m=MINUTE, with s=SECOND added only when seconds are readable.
h=1 m=7
